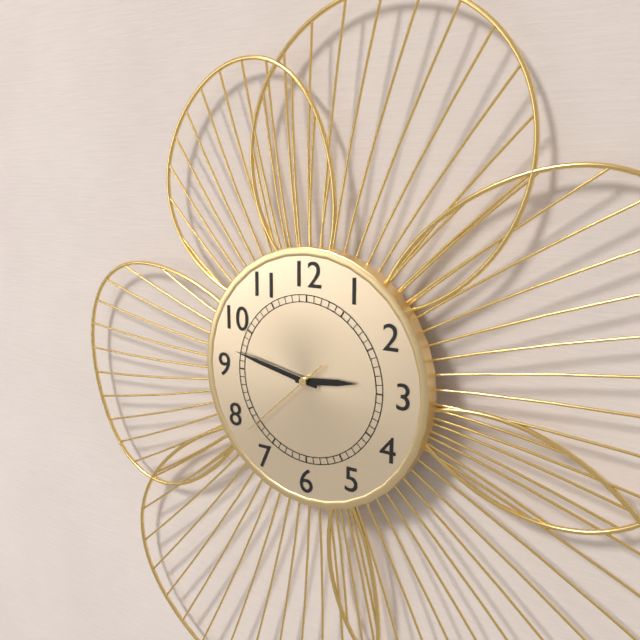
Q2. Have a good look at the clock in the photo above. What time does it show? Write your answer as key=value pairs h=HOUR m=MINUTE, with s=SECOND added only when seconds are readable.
h=2 m=47 s=38
